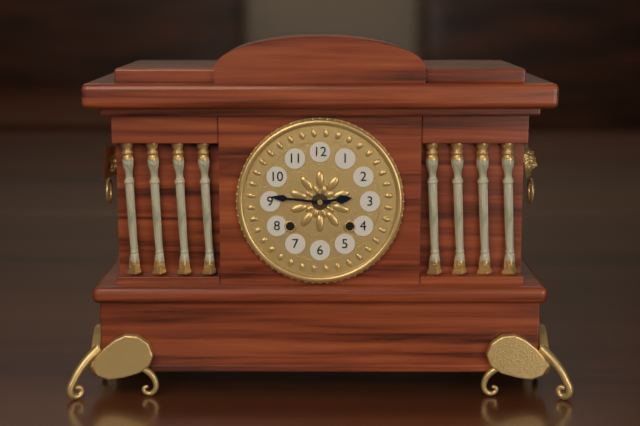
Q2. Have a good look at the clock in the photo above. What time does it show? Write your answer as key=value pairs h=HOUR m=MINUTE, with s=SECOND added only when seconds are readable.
h=2 m=46
